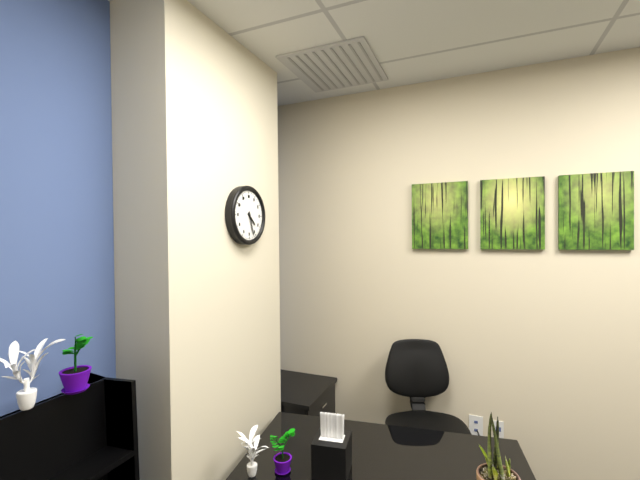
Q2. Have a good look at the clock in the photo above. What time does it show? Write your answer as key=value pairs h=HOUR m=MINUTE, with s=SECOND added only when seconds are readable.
h=4 m=27
